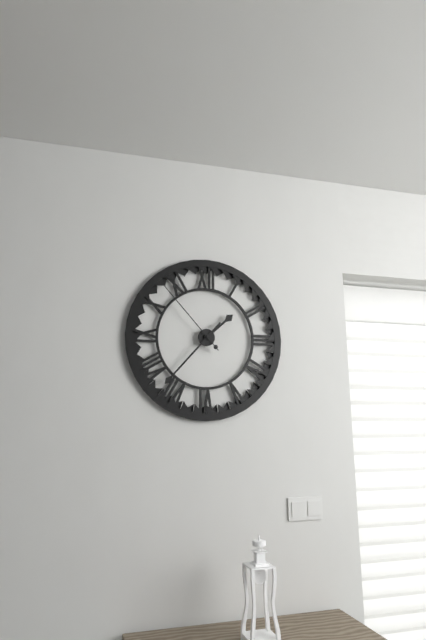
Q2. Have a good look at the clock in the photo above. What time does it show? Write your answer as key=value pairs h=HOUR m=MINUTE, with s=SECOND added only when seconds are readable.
h=1 m=37 s=53
